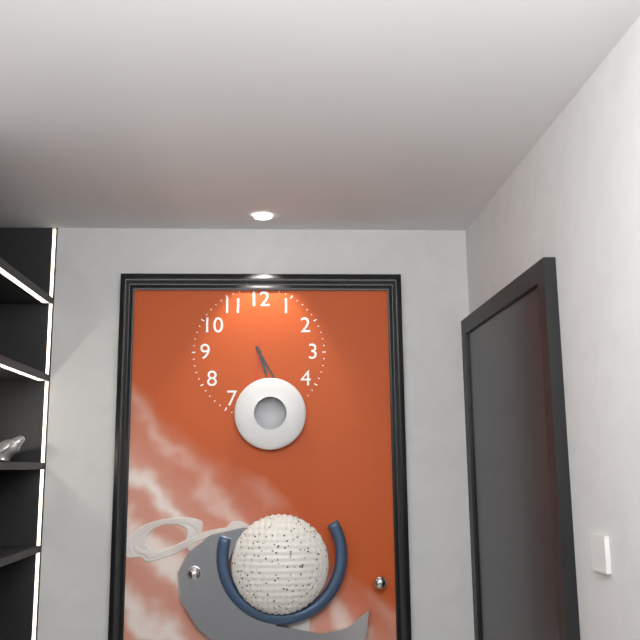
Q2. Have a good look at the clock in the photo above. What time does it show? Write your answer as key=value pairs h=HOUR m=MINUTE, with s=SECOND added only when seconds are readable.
h=5 m=25
